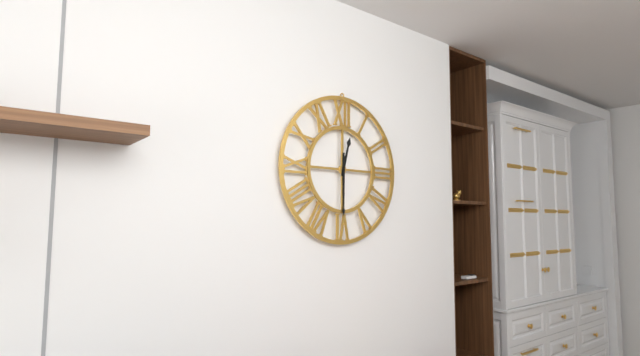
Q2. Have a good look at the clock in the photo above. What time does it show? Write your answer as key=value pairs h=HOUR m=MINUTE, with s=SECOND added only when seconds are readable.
h=12 m=30
